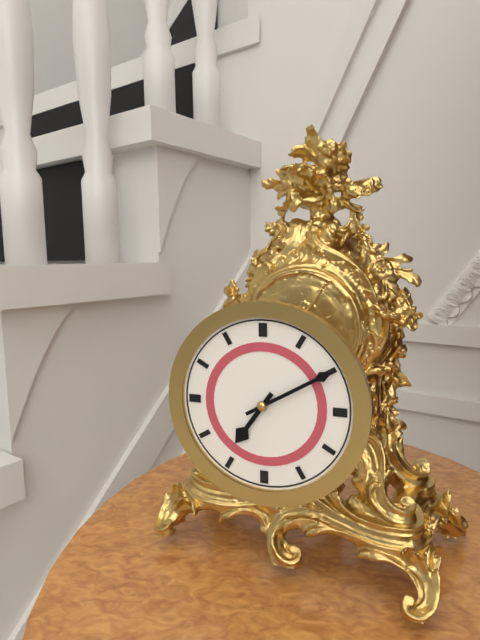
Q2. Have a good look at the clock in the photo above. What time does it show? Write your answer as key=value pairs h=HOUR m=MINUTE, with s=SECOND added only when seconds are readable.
h=7 m=10
